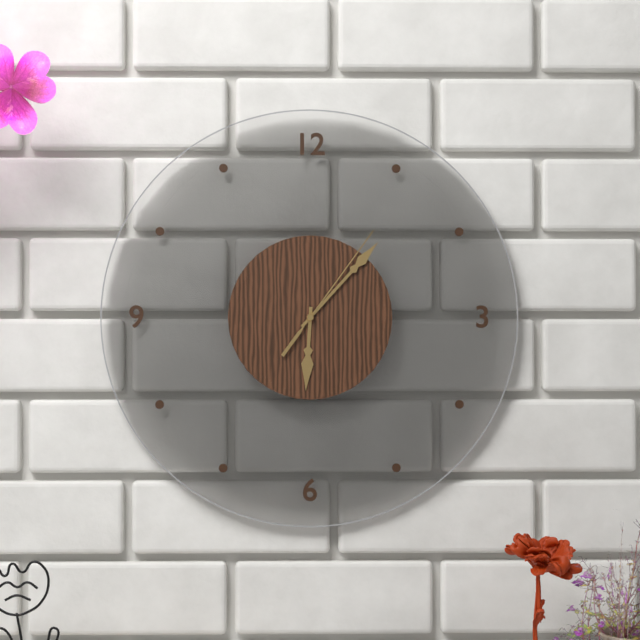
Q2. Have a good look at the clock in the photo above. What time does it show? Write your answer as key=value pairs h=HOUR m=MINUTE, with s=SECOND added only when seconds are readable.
h=6 m=7 s=6
